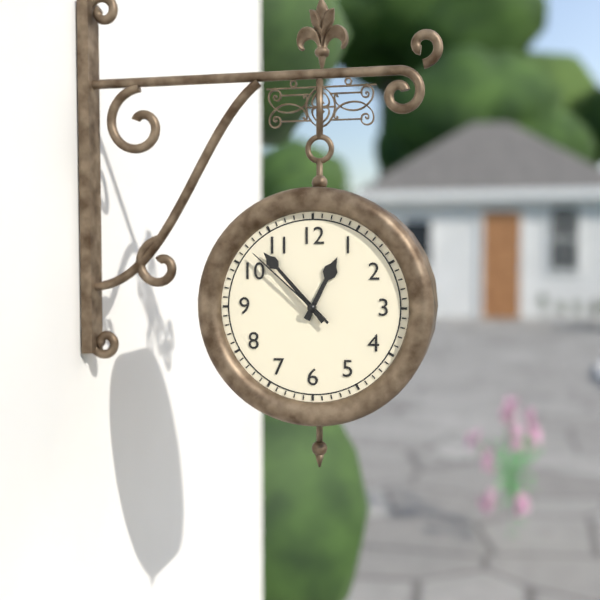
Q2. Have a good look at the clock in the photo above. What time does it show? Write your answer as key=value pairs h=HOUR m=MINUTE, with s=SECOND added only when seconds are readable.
h=12 m=53 s=52
